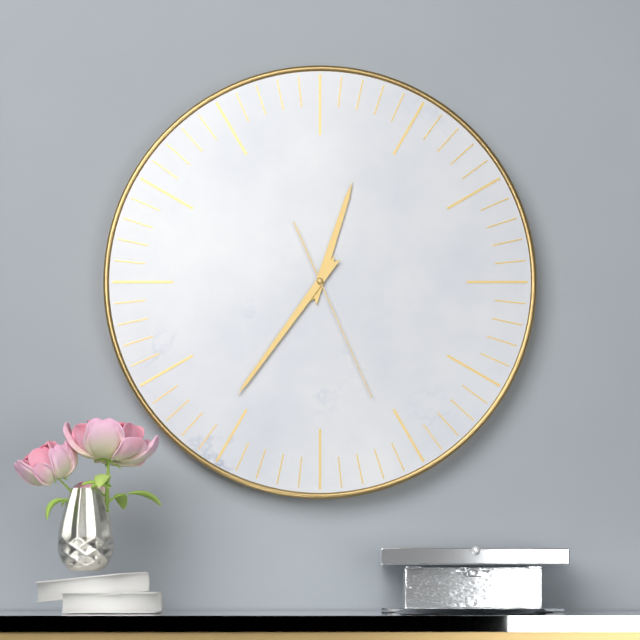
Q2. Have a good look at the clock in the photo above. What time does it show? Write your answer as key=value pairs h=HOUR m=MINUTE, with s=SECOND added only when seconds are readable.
h=12 m=36 s=26
